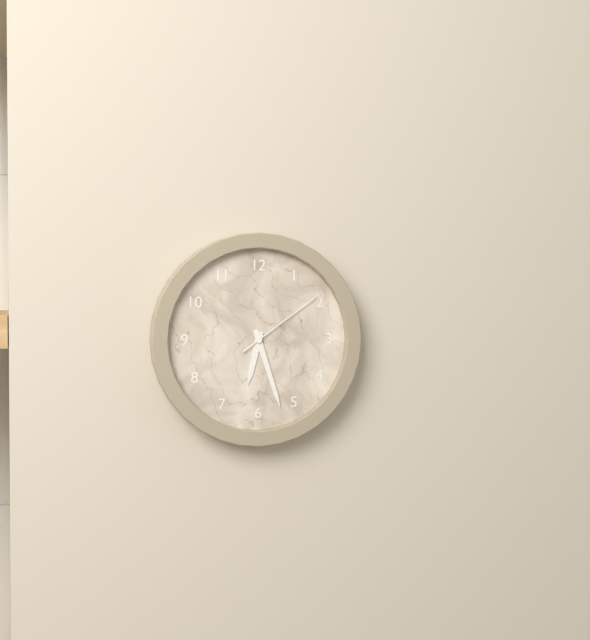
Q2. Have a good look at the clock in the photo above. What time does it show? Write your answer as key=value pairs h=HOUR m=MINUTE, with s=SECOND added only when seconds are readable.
h=6 m=27 s=9
